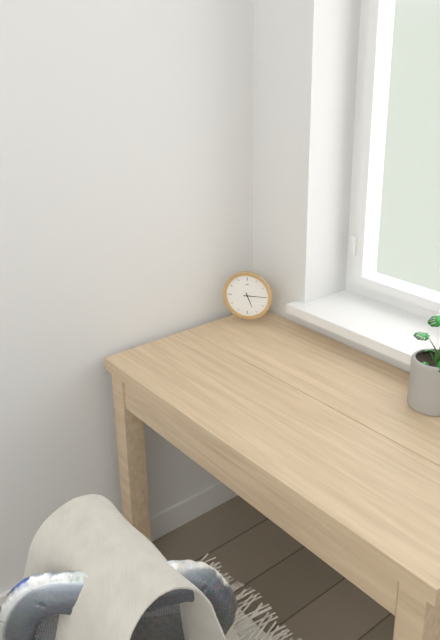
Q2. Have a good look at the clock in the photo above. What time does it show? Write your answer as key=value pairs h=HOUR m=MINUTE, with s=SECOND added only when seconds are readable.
h=5 m=15
